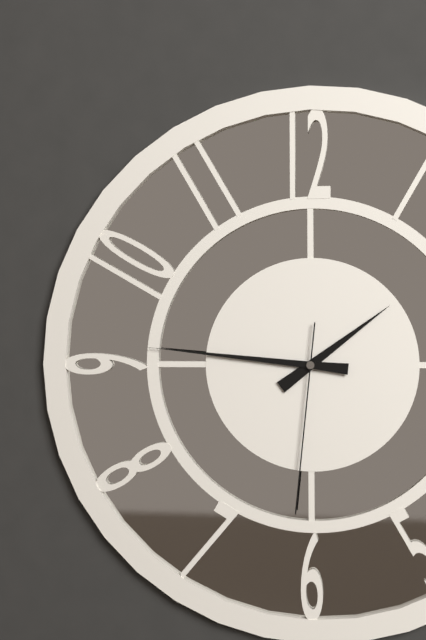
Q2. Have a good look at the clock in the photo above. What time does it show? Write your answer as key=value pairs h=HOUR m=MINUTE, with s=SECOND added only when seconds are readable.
h=1 m=46 s=31
